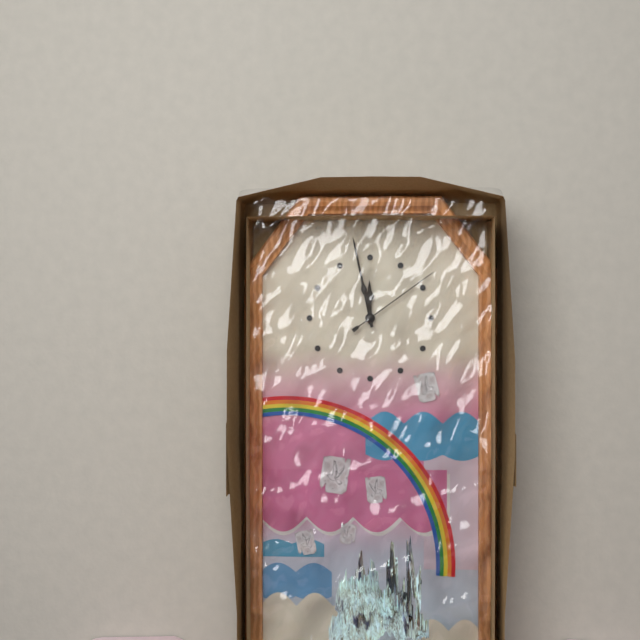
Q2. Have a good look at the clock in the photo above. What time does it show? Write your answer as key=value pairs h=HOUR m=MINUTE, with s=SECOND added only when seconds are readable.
h=11 m=58 s=9
